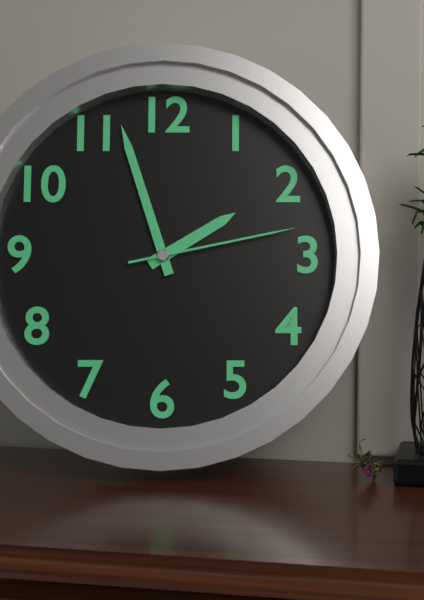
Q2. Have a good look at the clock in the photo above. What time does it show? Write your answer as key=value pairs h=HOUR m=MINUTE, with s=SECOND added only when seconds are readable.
h=1 m=57 s=13
